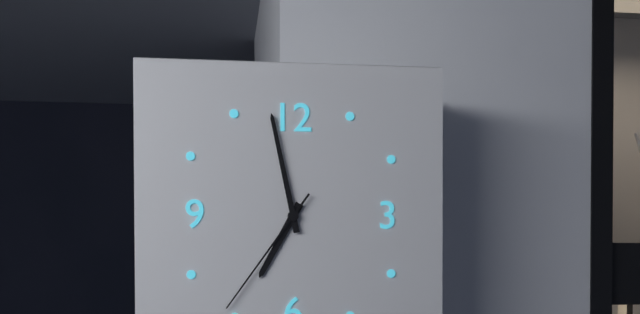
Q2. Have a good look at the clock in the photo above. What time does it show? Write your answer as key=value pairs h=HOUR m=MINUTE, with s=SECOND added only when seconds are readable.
h=6 m=58 s=36
